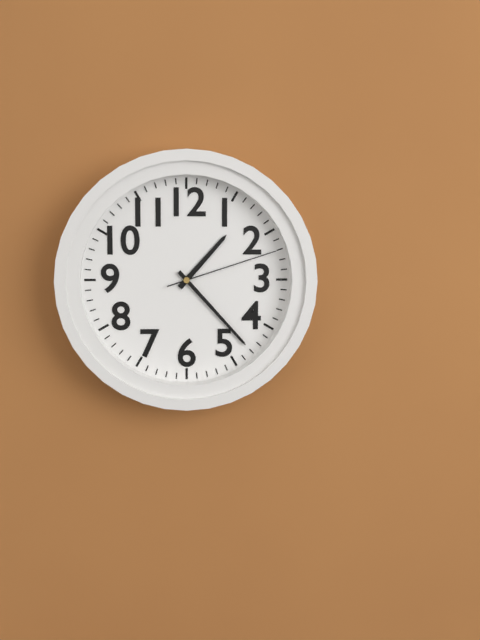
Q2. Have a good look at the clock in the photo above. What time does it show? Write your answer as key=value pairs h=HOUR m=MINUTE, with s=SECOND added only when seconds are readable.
h=1 m=23 s=12
